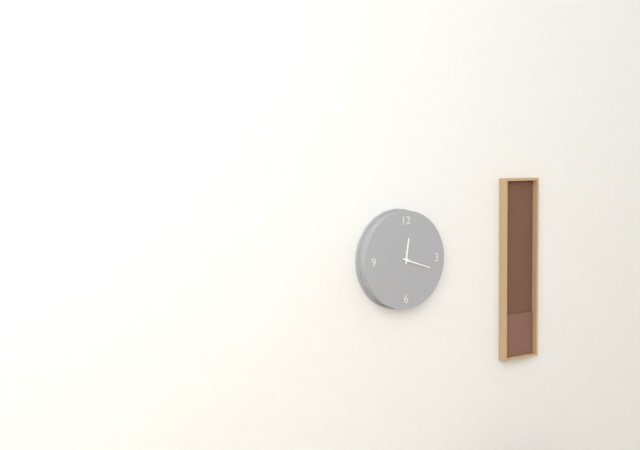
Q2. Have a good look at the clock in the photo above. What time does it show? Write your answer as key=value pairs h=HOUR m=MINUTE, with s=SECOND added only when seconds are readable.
h=12 m=18
